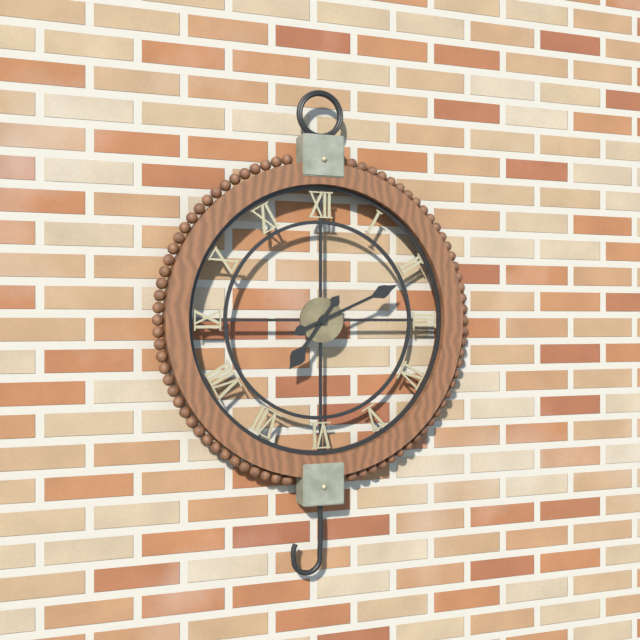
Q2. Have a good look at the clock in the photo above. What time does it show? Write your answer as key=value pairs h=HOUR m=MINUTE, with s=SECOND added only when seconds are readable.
h=7 m=11
